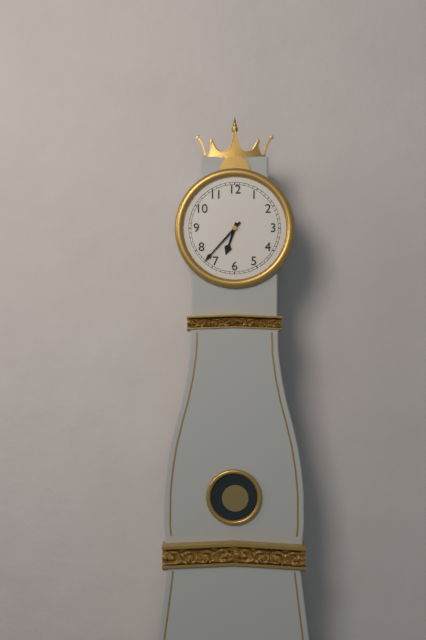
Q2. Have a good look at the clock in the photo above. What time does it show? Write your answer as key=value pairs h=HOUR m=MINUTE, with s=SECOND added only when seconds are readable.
h=6 m=37
